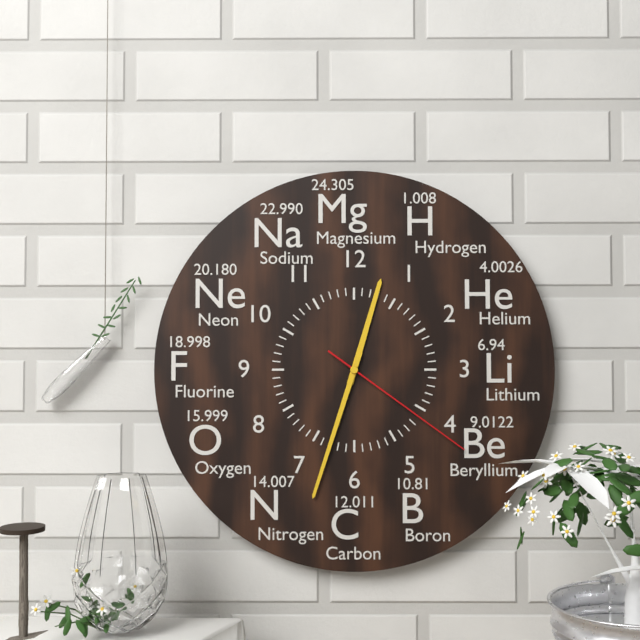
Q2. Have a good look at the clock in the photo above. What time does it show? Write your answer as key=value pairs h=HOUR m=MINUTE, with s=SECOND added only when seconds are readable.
h=12 m=33 s=21
